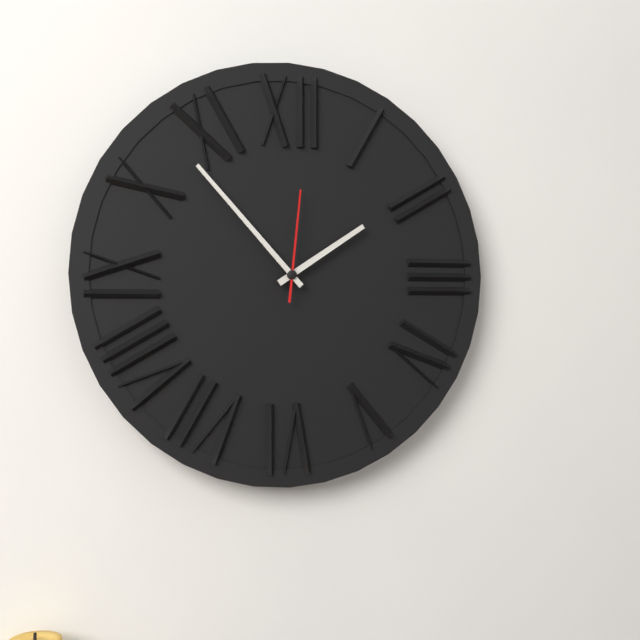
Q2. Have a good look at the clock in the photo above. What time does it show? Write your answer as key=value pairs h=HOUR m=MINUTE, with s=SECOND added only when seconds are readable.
h=1 m=53 s=1
